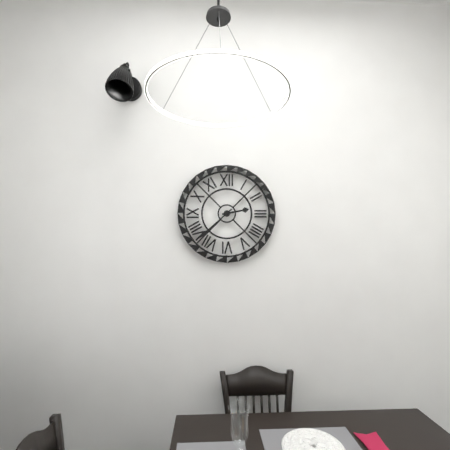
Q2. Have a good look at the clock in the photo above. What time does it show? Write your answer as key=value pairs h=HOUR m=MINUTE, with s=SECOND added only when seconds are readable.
h=2 m=38
